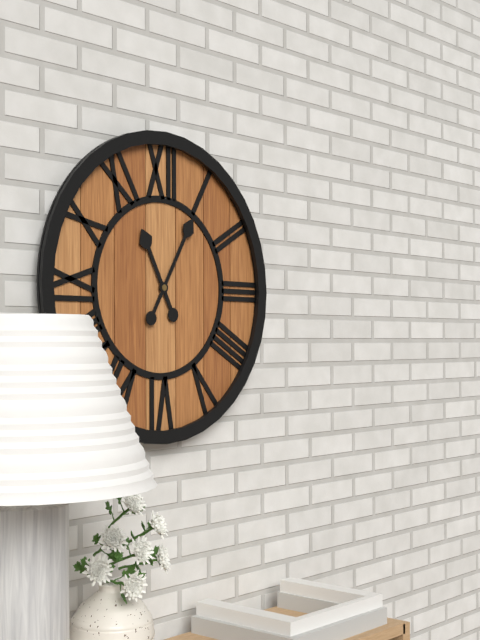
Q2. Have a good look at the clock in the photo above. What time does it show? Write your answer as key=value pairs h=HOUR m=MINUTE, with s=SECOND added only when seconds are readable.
h=11 m=5
